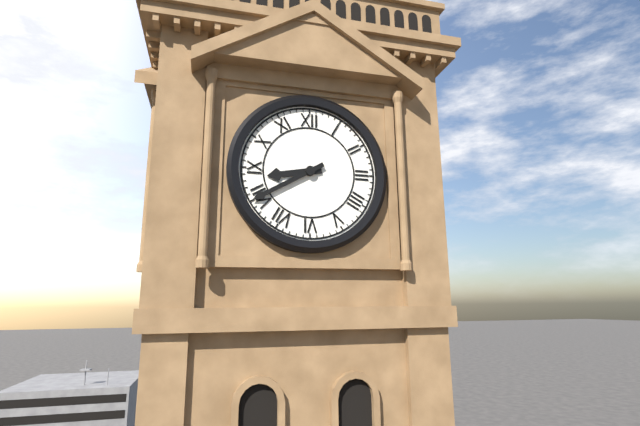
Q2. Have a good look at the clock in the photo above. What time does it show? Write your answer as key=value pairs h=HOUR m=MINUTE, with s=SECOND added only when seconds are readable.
h=8 m=40
